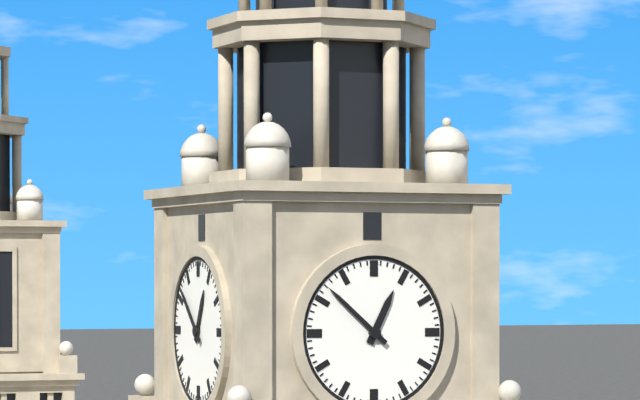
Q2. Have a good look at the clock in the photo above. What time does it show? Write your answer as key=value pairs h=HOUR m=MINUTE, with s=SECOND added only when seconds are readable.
h=12 m=52
